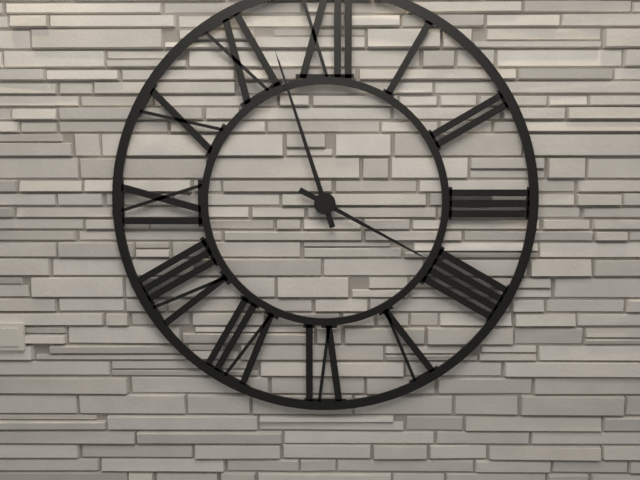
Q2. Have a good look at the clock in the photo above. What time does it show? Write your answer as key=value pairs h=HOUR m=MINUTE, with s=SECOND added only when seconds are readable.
h=3 m=57
